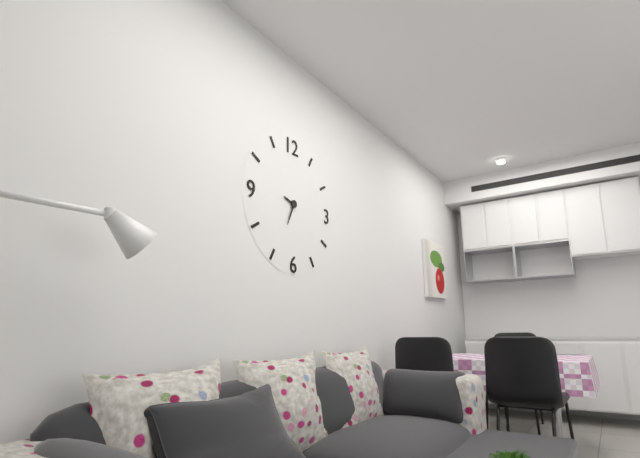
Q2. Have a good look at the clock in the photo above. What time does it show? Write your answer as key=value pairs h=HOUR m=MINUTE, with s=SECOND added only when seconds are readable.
h=9 m=34
